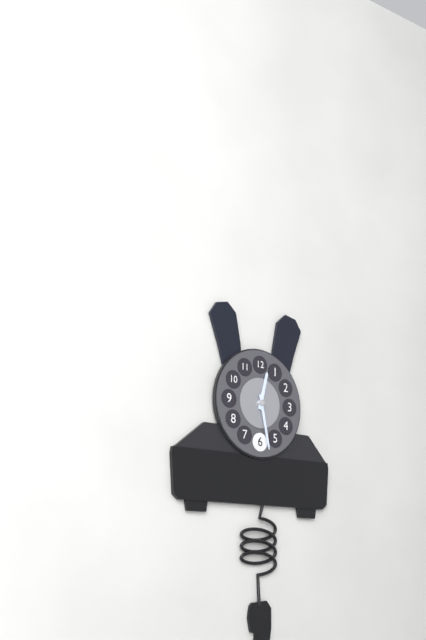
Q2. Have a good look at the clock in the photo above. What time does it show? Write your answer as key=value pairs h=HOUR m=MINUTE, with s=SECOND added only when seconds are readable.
h=12 m=28
